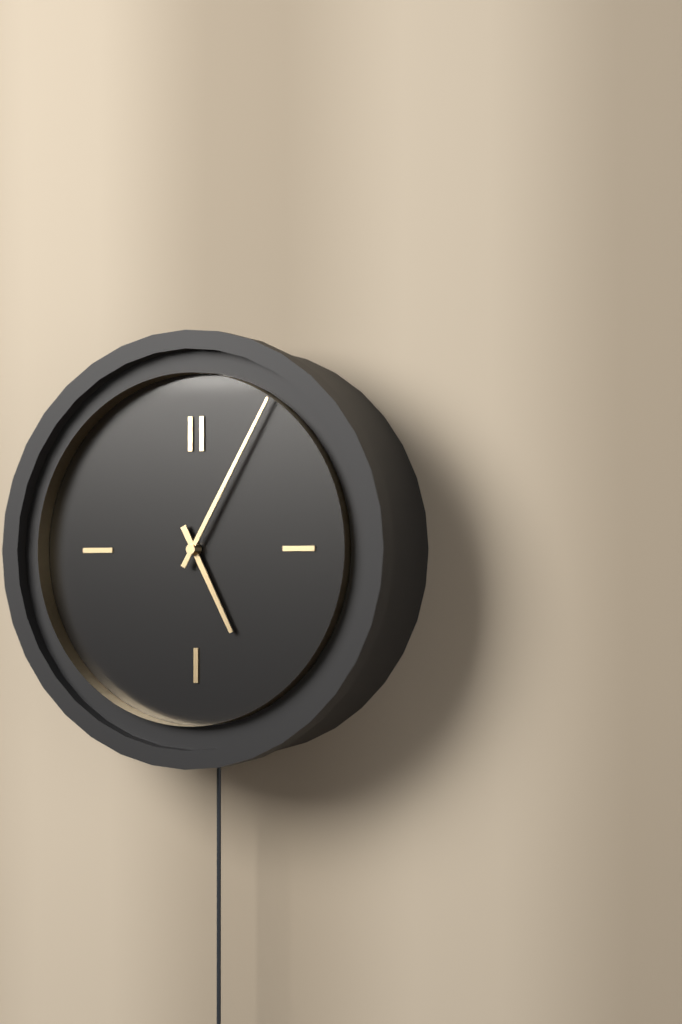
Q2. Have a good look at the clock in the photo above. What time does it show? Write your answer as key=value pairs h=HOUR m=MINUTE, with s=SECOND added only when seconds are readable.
h=5 m=5
